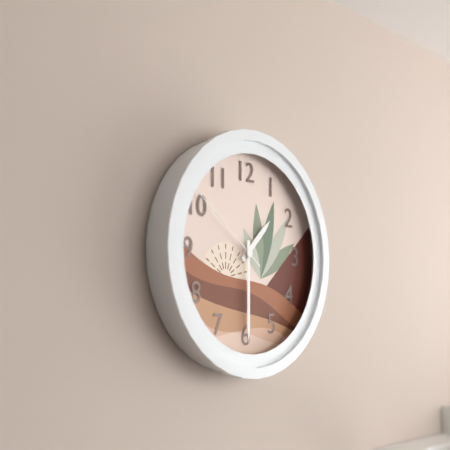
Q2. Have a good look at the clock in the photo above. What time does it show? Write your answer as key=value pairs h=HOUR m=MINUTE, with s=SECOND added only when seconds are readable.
h=1 m=30 s=51
